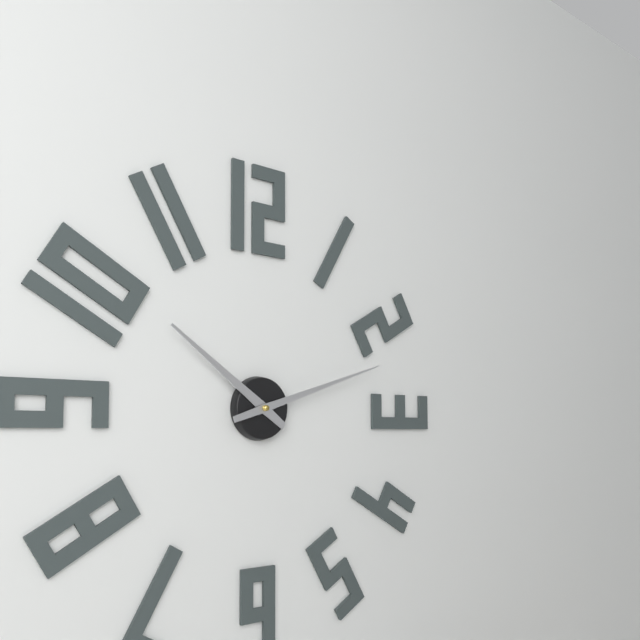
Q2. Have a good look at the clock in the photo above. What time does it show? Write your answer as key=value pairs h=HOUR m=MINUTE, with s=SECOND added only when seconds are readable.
h=10 m=12
